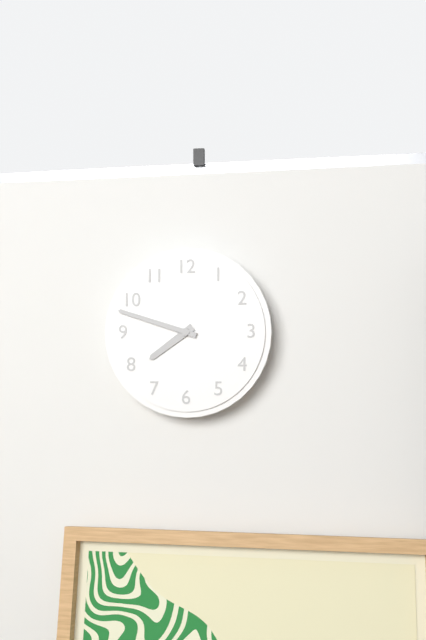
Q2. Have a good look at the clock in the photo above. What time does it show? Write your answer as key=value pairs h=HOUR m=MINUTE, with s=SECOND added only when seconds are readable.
h=7 m=48
